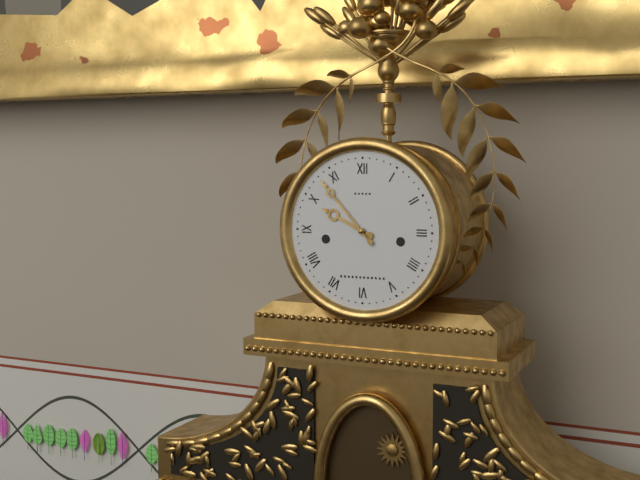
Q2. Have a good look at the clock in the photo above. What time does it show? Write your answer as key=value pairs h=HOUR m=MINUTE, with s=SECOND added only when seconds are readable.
h=9 m=53
